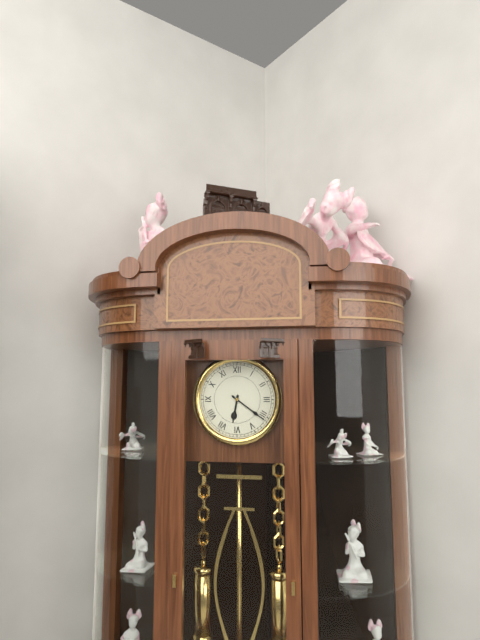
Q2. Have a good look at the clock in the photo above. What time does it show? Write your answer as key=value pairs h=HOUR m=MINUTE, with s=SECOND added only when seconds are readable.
h=6 m=21
